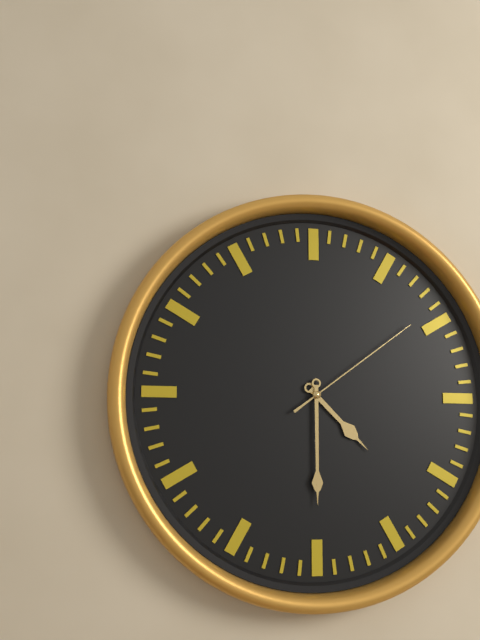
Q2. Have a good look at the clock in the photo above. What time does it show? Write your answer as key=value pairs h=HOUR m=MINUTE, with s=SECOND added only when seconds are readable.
h=4 m=30 s=9
